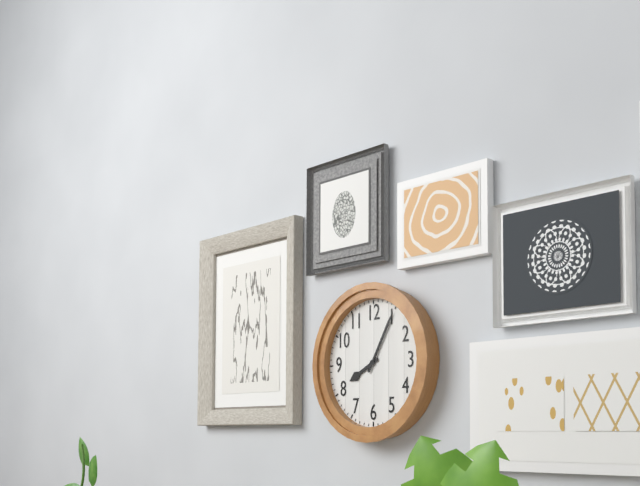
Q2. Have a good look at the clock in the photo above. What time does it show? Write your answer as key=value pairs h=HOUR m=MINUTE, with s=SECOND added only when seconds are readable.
h=8 m=5
